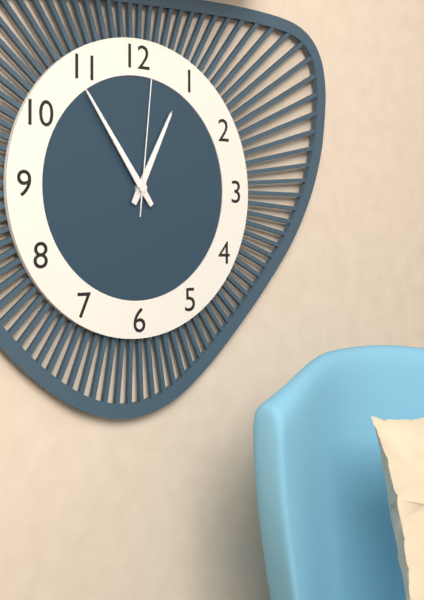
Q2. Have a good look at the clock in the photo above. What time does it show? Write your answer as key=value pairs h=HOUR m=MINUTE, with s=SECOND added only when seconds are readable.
h=12 m=54 s=1
